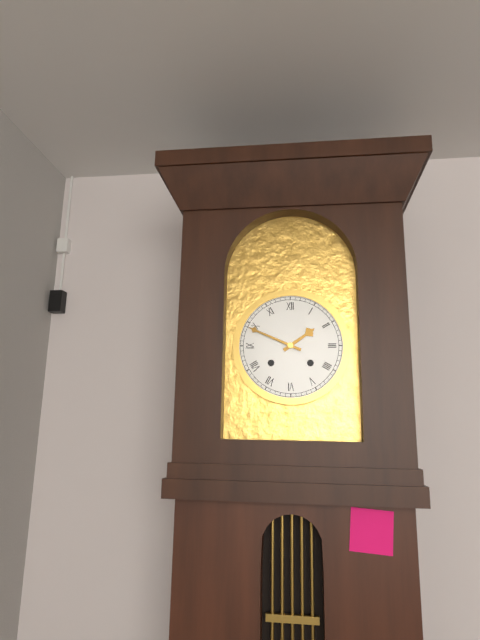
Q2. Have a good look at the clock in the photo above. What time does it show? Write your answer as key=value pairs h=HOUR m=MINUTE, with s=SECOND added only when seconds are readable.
h=1 m=49
